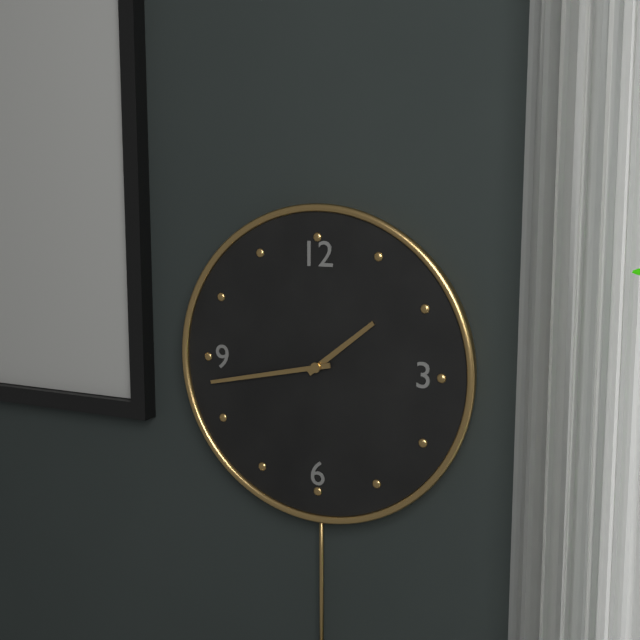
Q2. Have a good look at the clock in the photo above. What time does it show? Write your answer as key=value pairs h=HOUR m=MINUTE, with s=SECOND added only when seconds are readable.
h=1 m=43
